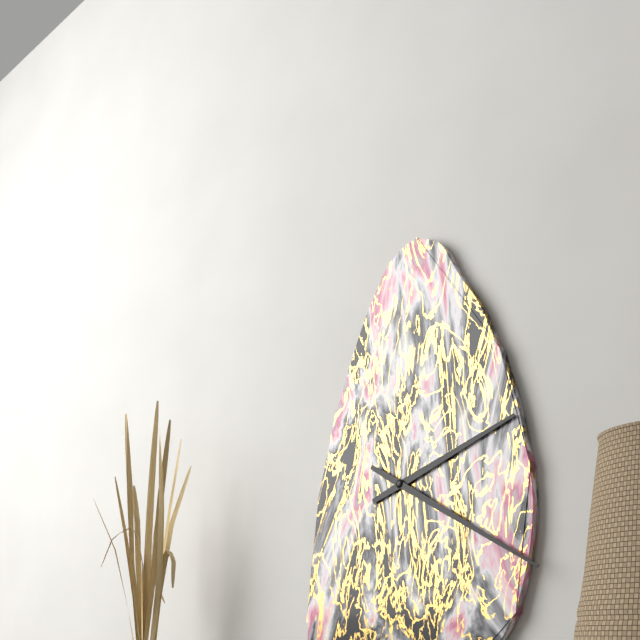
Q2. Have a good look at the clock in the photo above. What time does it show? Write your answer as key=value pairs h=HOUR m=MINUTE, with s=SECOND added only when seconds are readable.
h=2 m=20
